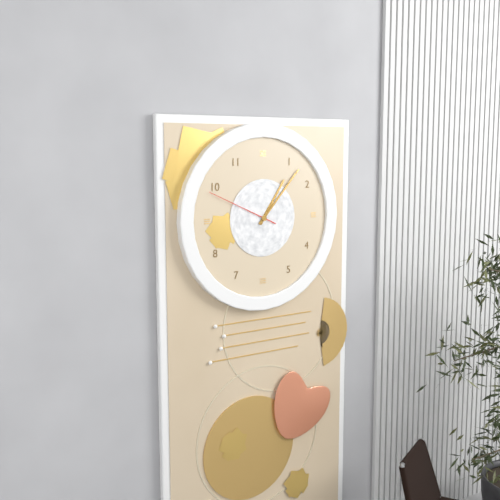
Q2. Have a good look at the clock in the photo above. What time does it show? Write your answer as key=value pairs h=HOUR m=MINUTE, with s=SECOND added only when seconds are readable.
h=1 m=7 s=49
